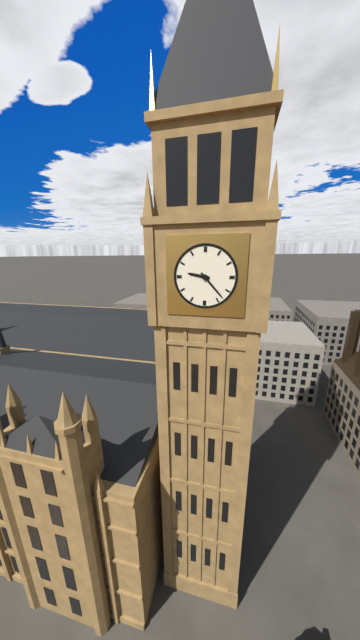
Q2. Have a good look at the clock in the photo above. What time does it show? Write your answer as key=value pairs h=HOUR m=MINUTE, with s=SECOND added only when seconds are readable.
h=9 m=23
